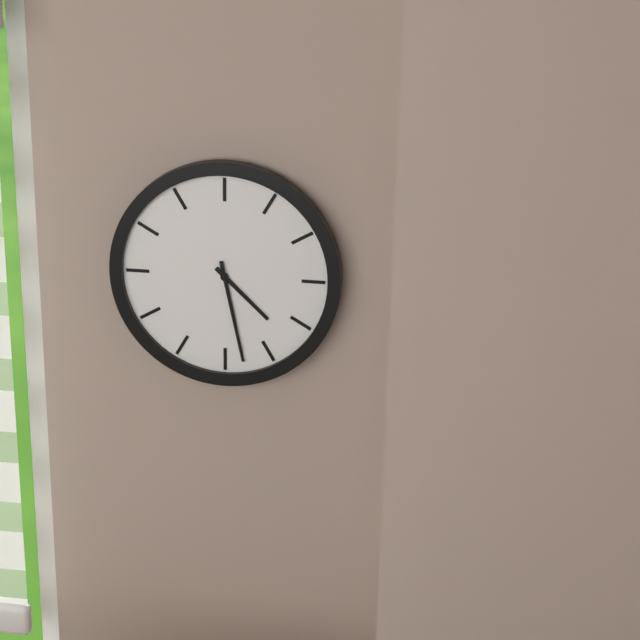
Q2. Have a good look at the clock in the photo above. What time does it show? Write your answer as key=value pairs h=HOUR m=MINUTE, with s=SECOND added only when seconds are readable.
h=4 m=28
